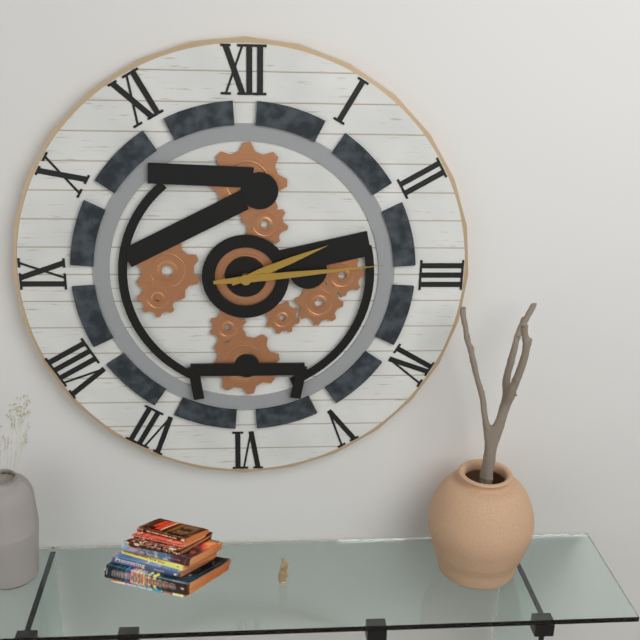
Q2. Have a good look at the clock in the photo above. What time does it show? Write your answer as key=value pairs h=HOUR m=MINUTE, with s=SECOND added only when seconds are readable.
h=2 m=14
